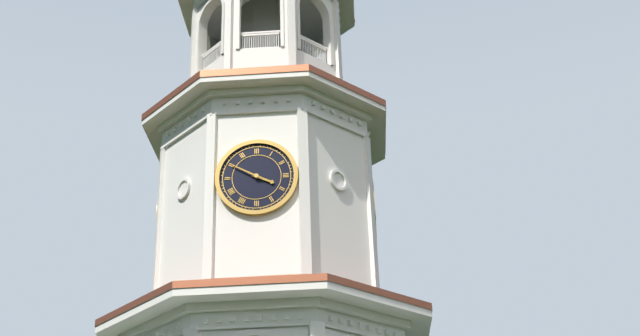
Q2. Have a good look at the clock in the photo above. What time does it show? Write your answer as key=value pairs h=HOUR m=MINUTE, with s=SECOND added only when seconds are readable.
h=3 m=50
